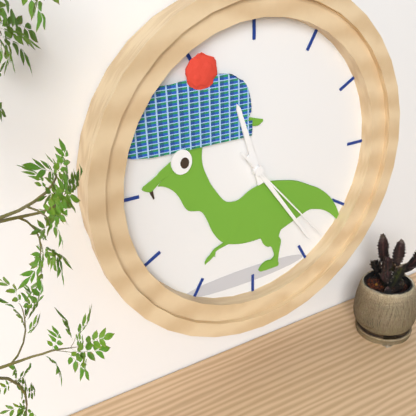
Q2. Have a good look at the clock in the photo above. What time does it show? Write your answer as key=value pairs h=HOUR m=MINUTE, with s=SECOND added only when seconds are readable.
h=11 m=24 s=23
